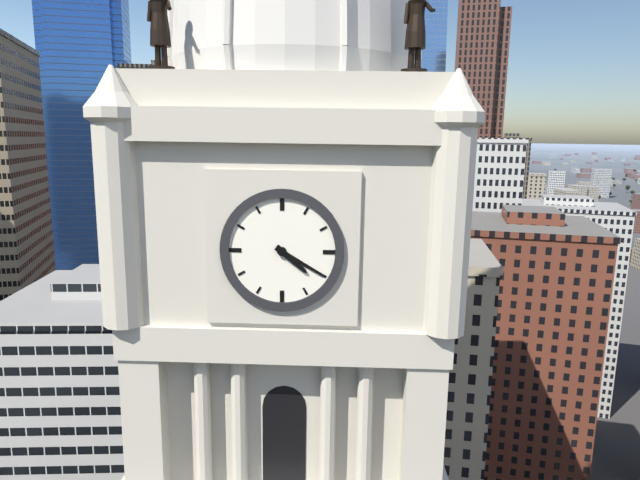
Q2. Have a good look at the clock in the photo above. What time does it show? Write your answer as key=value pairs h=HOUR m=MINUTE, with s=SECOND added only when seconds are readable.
h=4 m=20
